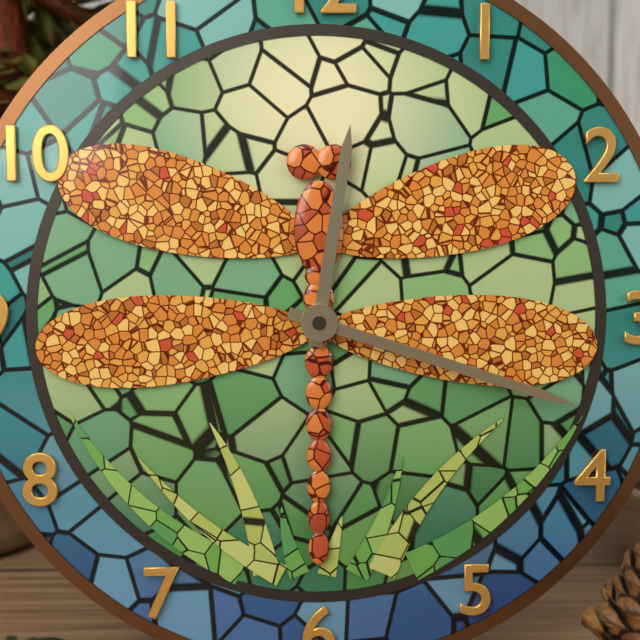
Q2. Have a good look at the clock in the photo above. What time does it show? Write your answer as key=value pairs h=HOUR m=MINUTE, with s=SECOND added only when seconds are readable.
h=12 m=18
